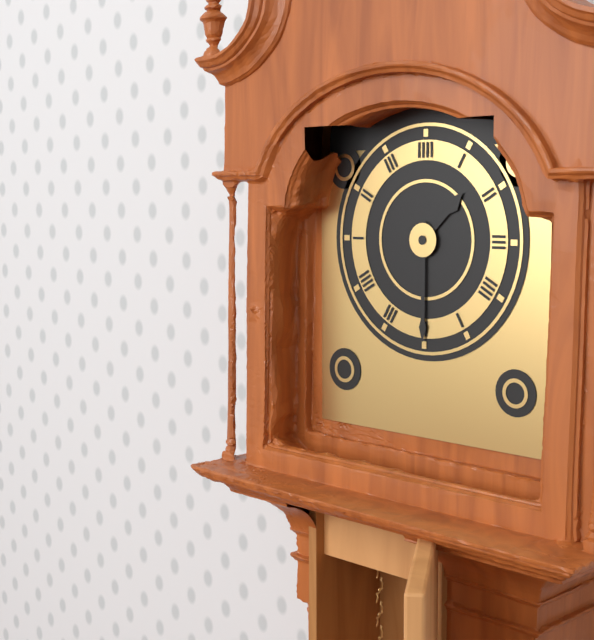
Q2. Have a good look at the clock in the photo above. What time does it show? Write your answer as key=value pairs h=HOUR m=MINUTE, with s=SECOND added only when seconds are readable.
h=1 m=30
